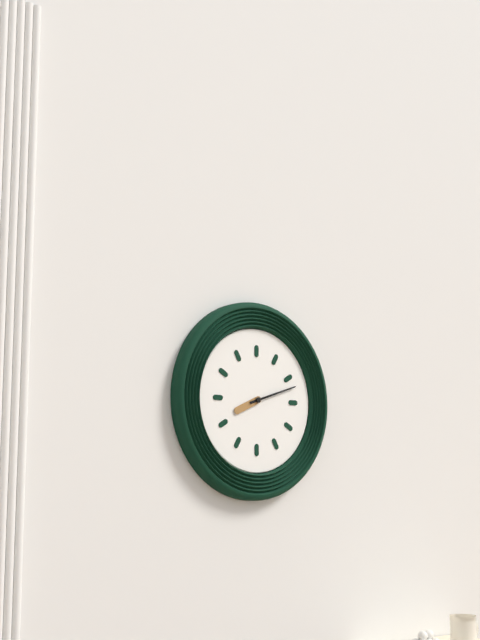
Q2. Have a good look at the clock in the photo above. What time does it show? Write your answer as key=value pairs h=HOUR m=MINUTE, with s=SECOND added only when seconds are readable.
h=8 m=12
